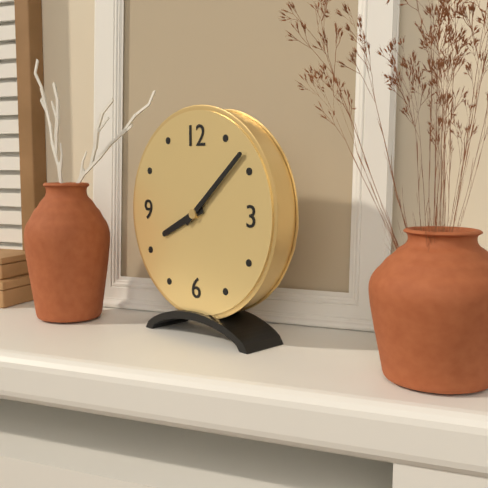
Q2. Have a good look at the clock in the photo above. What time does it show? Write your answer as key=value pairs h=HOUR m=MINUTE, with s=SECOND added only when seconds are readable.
h=8 m=8
